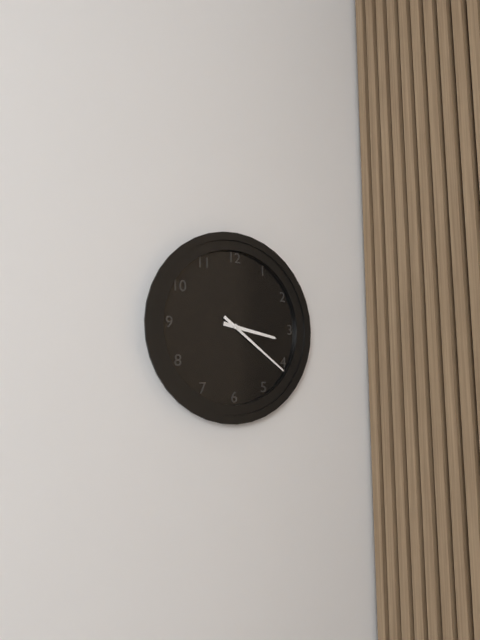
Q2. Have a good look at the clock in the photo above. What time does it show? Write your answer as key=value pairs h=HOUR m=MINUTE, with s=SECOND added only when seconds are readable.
h=3 m=21
